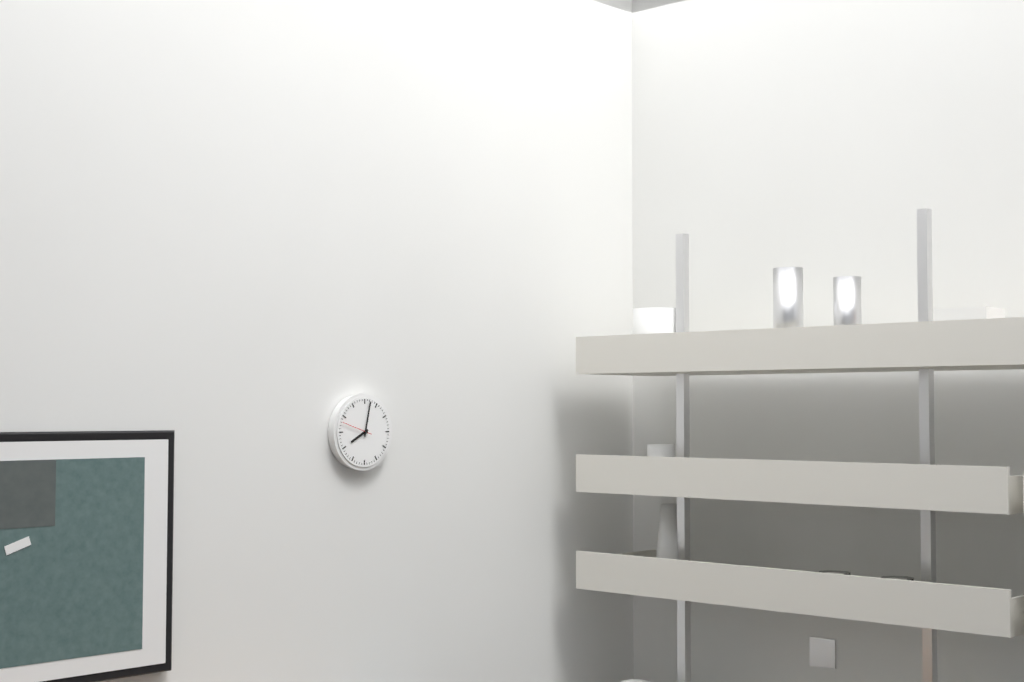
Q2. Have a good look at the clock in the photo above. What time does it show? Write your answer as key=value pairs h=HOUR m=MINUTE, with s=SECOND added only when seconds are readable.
h=8 m=2
